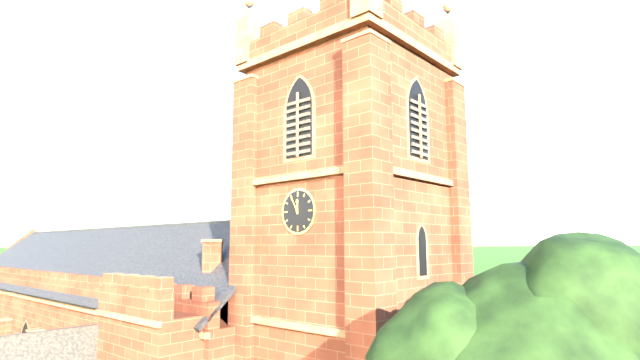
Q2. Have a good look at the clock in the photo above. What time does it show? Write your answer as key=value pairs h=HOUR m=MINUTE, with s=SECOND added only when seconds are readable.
h=11 m=55
